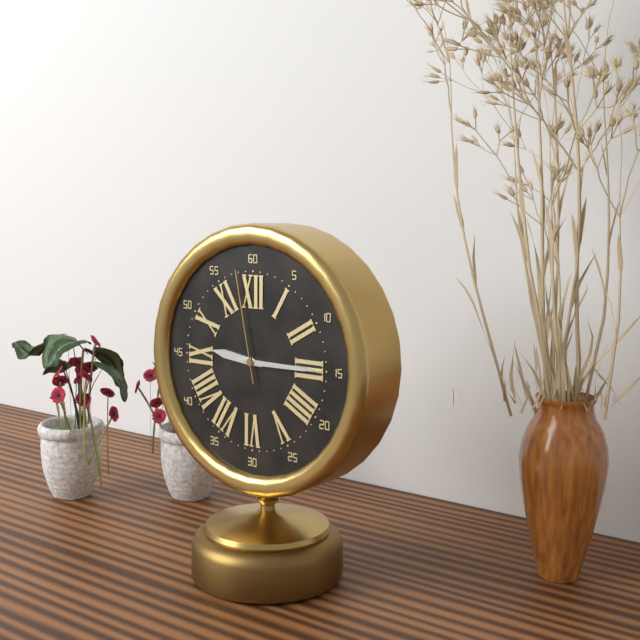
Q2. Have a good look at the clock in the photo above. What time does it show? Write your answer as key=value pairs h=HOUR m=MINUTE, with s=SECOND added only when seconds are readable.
h=9 m=15 s=58
